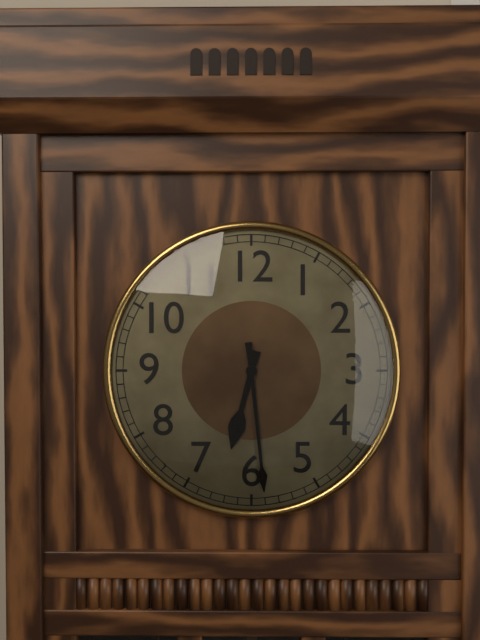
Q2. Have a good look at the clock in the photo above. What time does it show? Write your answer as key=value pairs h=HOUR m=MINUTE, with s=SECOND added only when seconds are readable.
h=6 m=29
